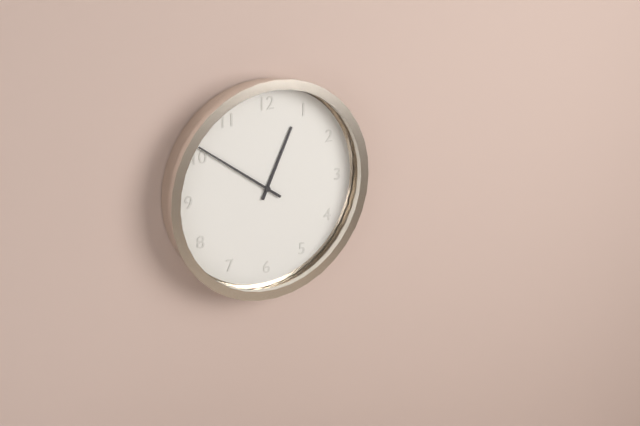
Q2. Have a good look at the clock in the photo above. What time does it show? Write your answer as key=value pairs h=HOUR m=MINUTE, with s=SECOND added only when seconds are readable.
h=12 m=51
